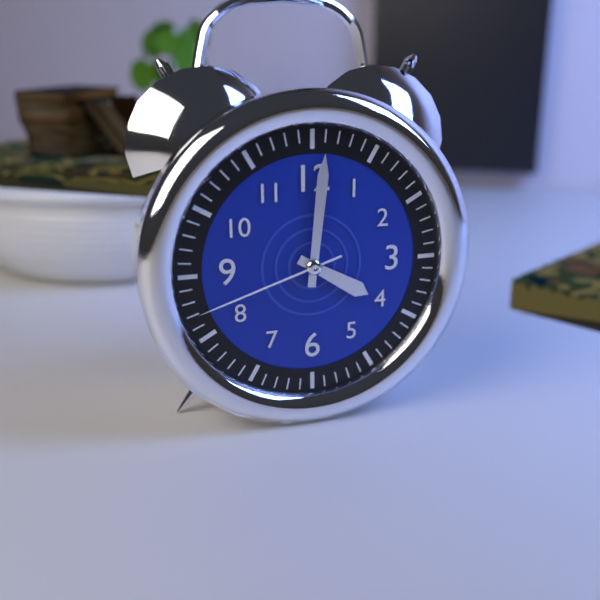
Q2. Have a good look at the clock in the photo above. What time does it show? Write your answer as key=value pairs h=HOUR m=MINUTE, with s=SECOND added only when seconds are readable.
h=4 m=1 s=42
